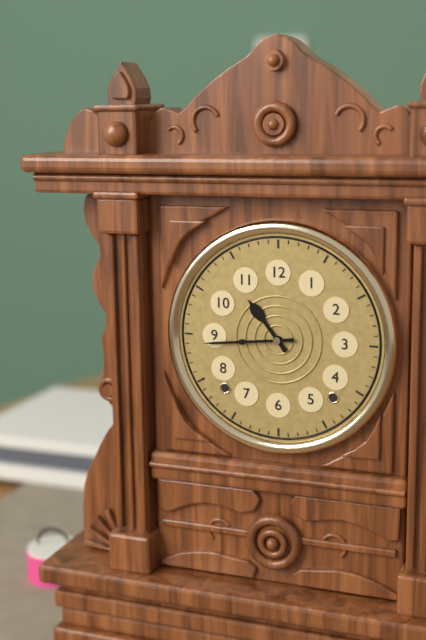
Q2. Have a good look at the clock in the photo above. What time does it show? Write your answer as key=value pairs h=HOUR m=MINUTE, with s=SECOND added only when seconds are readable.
h=10 m=44
